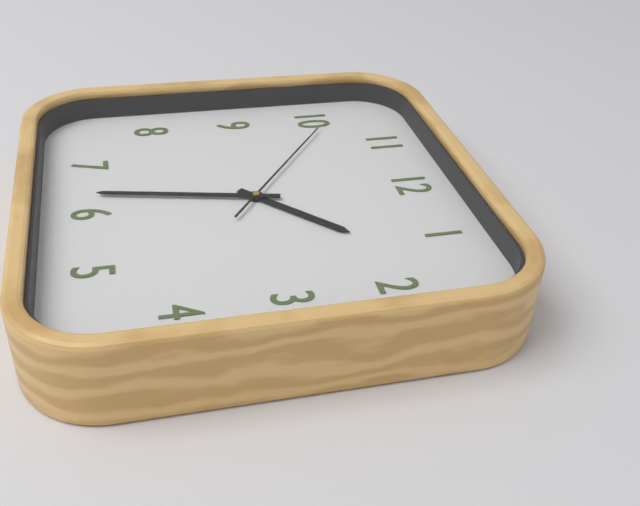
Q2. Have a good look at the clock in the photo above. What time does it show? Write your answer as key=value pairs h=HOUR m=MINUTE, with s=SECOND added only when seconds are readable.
h=1 m=32 s=51
